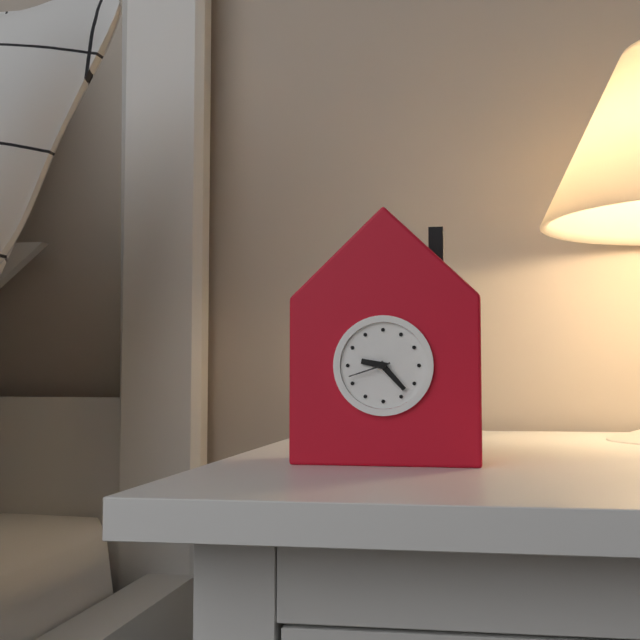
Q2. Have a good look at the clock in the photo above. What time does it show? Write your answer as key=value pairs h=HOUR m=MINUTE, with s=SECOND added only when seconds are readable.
h=9 m=23
